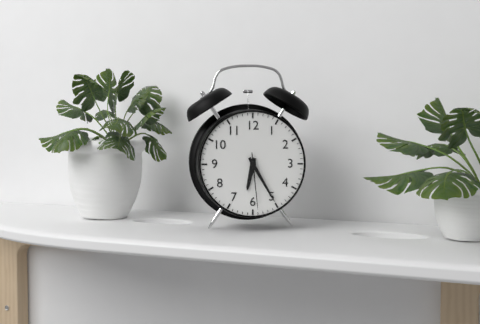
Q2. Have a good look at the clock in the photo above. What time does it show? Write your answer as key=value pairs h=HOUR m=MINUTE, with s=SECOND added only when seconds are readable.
h=6 m=25 s=29
